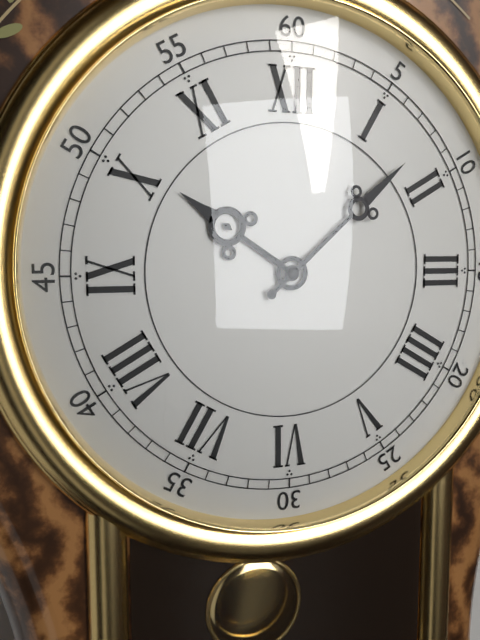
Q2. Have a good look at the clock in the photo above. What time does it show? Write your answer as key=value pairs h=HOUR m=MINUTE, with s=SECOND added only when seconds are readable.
h=10 m=8
